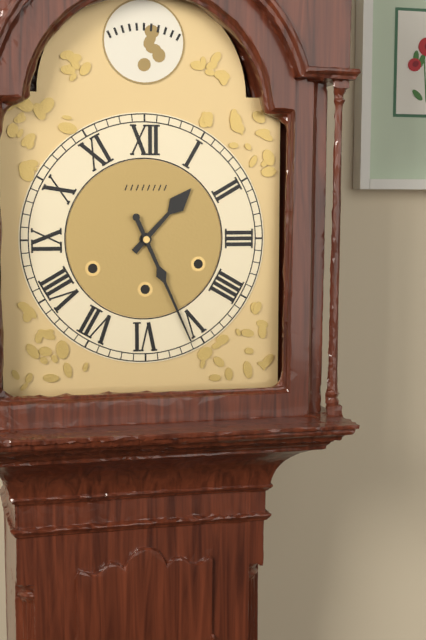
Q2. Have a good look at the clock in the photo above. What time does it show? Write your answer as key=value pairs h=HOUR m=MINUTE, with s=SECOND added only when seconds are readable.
h=1 m=26
